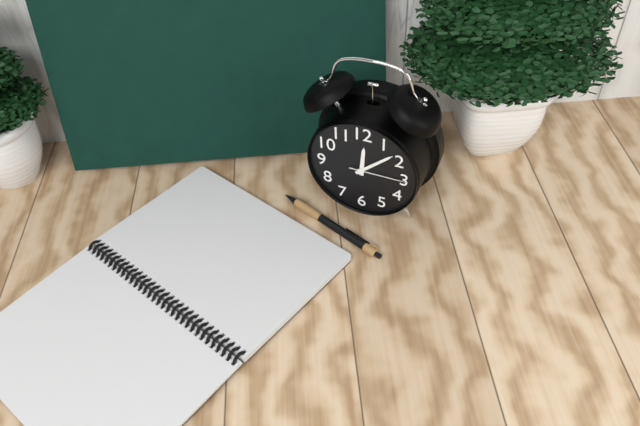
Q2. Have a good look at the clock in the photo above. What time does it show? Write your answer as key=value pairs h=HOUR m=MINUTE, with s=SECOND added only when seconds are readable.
h=12 m=8 s=15
